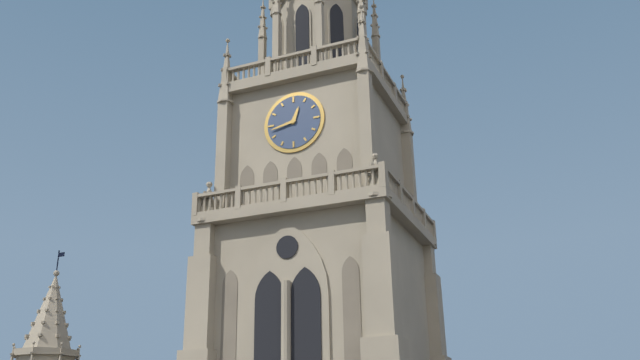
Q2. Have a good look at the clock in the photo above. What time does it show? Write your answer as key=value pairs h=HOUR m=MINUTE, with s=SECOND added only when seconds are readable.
h=12 m=43
